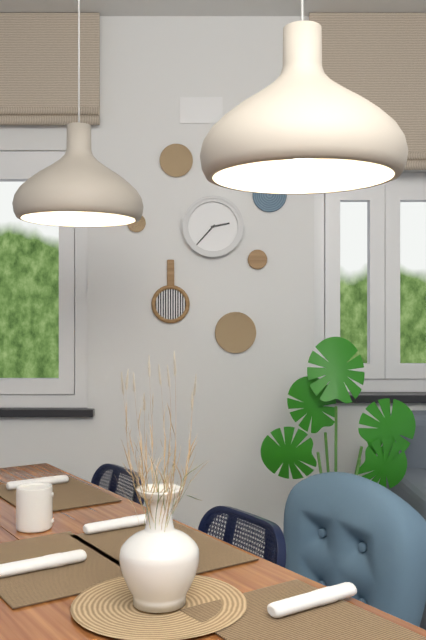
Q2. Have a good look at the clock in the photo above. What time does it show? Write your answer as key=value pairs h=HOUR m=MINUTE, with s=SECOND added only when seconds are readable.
h=2 m=37
